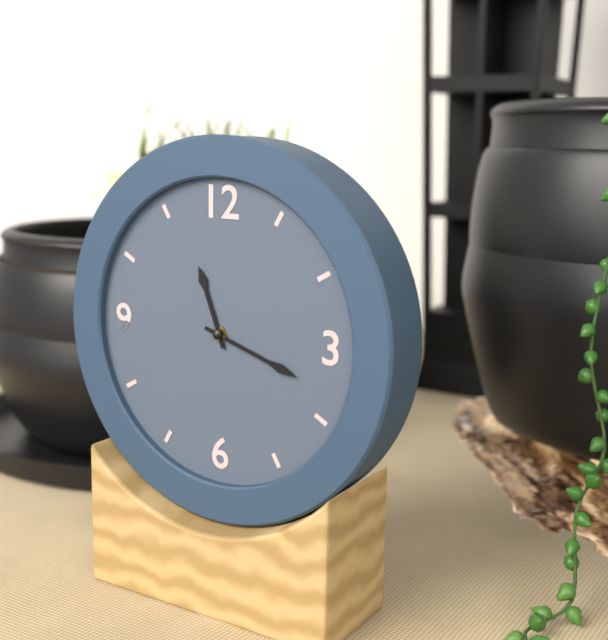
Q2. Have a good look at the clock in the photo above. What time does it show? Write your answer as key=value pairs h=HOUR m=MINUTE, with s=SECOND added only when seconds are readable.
h=11 m=18
